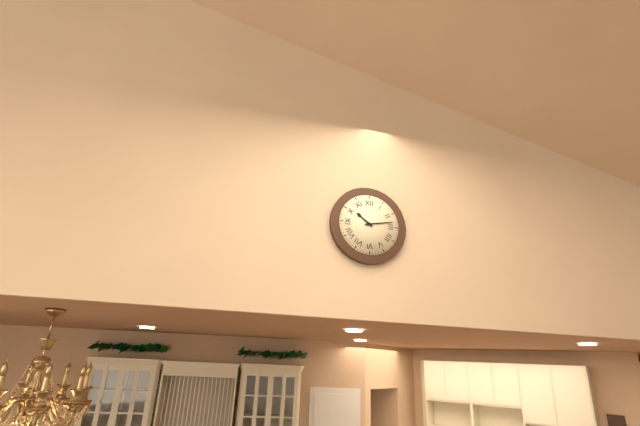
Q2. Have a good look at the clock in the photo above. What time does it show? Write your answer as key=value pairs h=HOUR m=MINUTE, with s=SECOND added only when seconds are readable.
h=10 m=13
